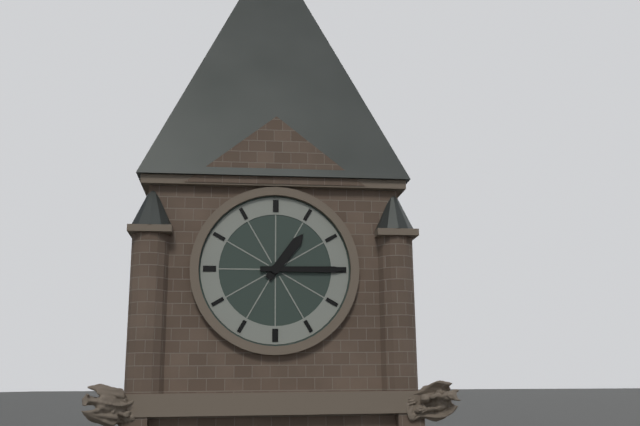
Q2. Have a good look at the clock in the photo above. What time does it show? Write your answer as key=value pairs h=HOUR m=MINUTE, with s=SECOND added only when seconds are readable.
h=1 m=15
